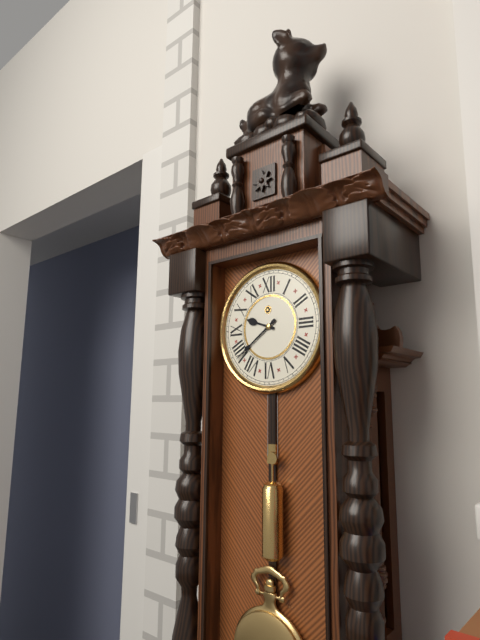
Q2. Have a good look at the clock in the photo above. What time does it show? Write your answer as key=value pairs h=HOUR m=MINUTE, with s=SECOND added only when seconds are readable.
h=9 m=39
